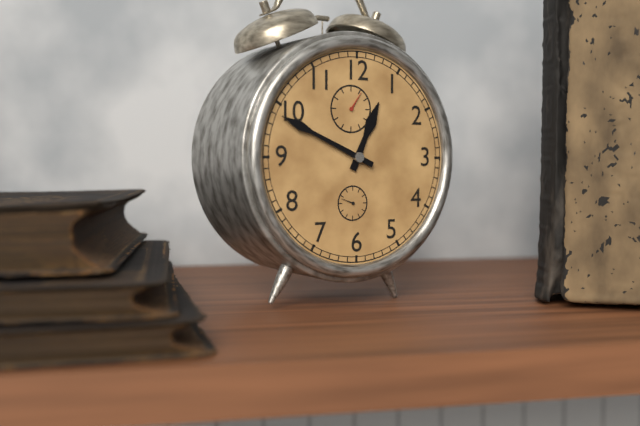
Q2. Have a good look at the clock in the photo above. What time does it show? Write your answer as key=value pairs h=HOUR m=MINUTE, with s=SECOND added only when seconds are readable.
h=12 m=49
